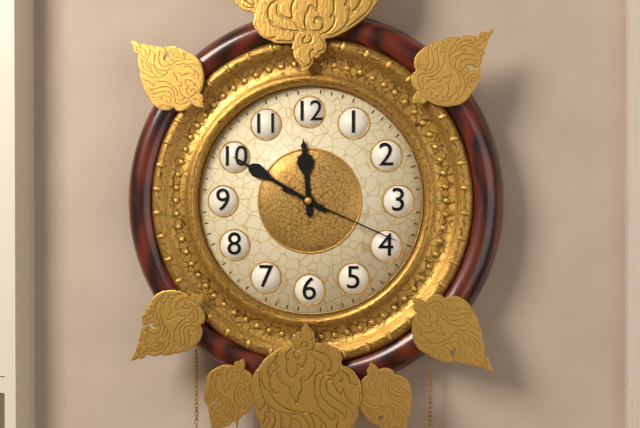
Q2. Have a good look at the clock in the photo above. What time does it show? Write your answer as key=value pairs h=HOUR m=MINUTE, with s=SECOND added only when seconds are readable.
h=11 m=50 s=19
